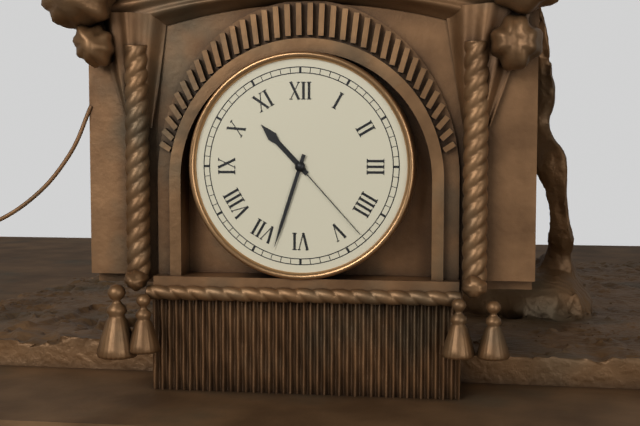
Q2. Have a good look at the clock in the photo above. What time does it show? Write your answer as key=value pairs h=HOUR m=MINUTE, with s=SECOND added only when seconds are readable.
h=10 m=33 s=23
